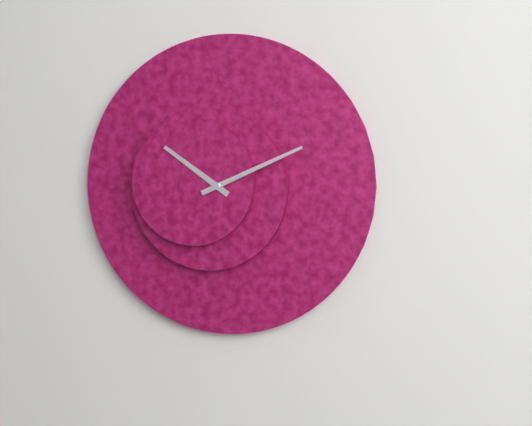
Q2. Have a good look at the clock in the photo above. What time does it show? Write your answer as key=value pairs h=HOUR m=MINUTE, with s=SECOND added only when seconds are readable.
h=10 m=11
